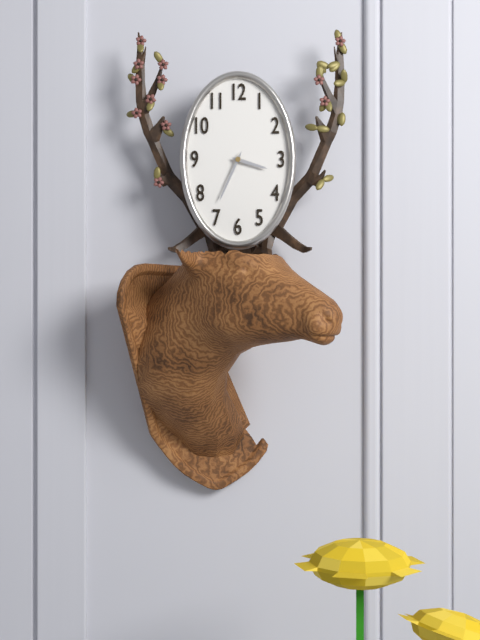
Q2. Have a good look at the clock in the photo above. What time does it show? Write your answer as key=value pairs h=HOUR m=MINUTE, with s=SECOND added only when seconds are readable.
h=3 m=34
